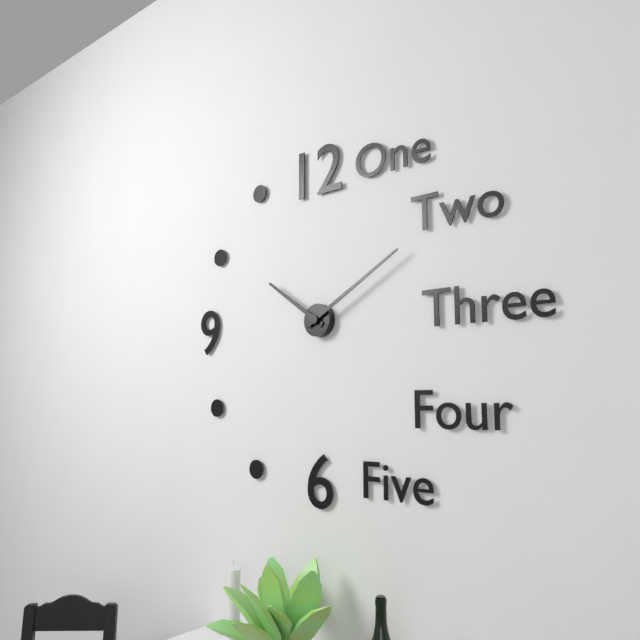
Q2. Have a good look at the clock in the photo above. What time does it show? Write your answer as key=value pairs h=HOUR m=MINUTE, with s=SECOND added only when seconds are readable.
h=10 m=10
